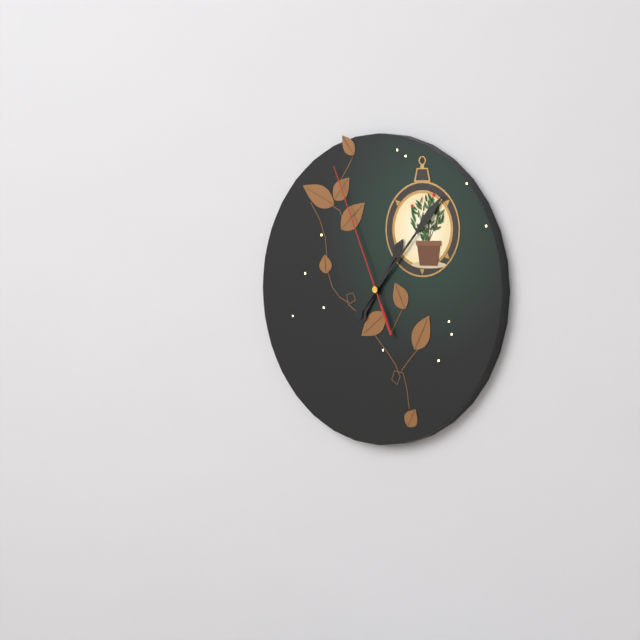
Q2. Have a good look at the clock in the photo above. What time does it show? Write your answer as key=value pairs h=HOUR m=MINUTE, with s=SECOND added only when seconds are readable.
h=1 m=7 s=56
